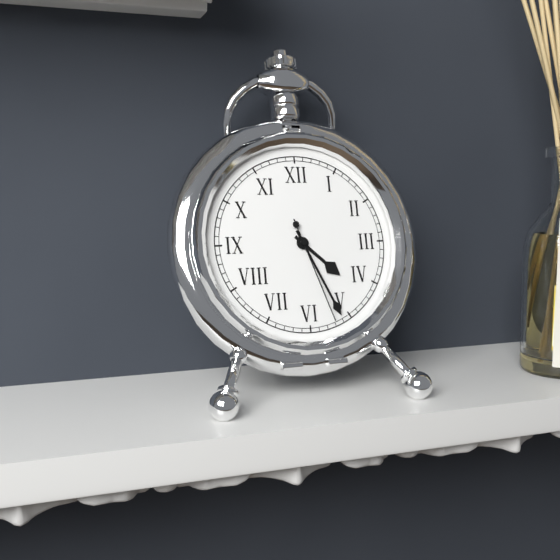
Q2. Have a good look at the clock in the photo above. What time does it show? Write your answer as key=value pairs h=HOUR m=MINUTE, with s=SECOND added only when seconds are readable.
h=4 m=26 s=27
